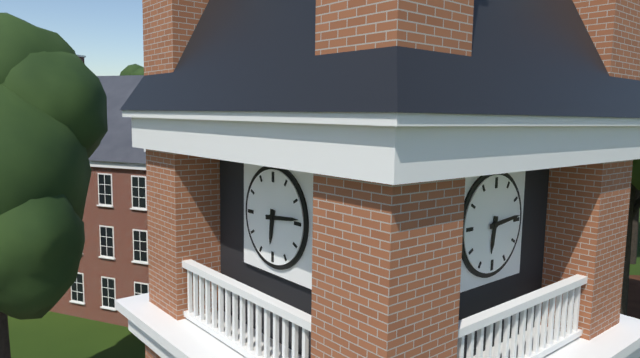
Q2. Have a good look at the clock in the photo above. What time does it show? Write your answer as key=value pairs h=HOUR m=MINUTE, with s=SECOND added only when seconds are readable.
h=6 m=14
